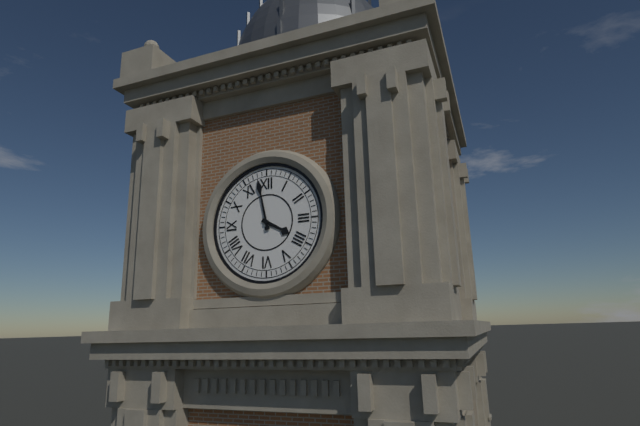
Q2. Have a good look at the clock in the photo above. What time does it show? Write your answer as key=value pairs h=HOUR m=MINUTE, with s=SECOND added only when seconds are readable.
h=3 m=58
